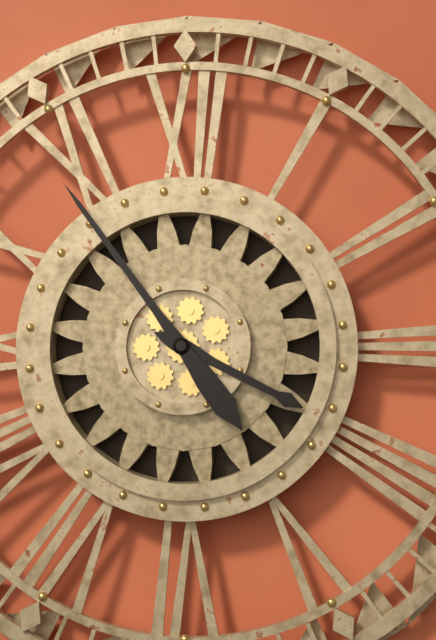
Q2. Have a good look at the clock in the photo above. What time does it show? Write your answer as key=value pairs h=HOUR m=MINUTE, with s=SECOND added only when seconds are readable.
h=3 m=54
